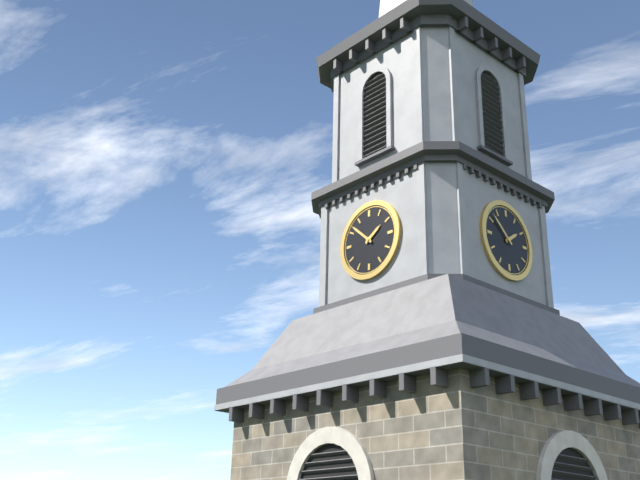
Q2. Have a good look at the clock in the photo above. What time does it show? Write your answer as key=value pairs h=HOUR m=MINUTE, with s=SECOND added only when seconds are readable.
h=1 m=52
